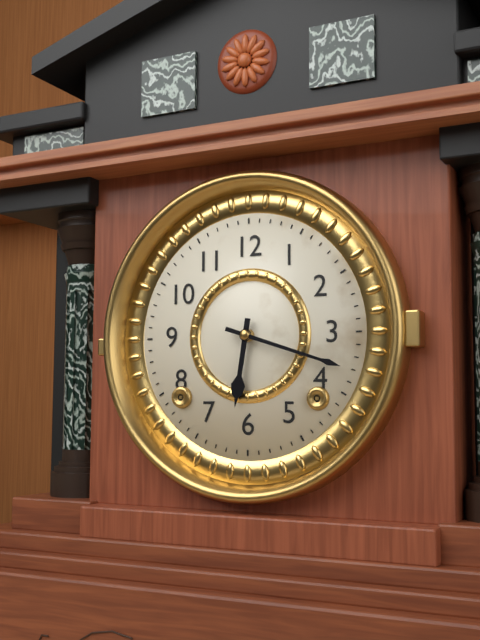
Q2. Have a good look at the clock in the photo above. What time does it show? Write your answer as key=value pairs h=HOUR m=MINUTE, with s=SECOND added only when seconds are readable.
h=6 m=18
